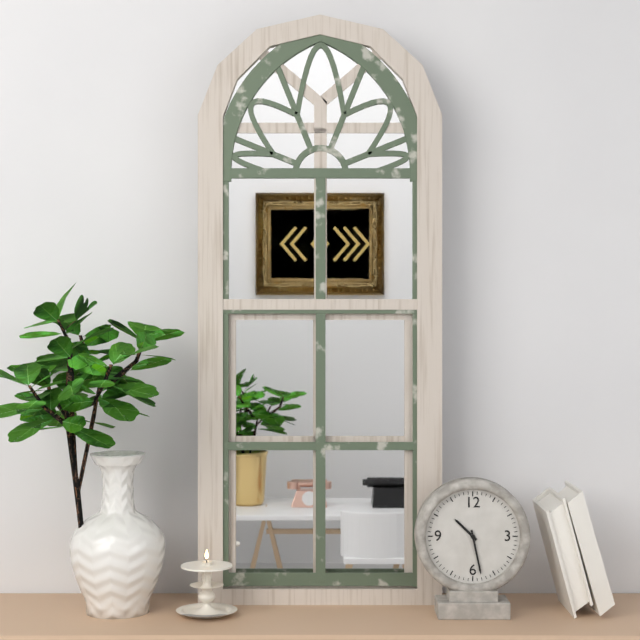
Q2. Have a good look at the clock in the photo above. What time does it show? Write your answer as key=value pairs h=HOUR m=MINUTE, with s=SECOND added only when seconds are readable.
h=10 m=28
